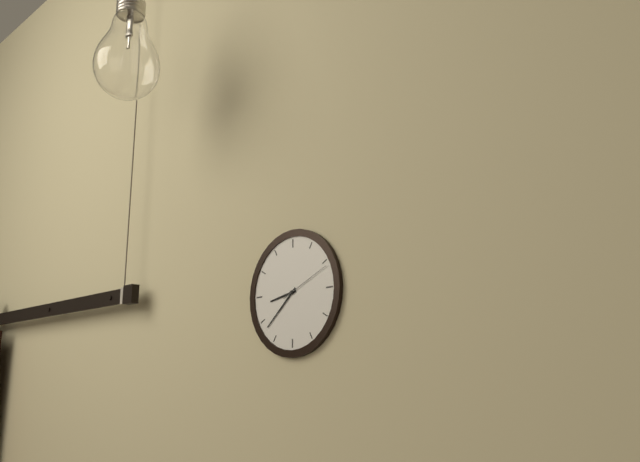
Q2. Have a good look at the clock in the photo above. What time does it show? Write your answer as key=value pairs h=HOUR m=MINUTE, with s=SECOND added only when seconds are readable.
h=8 m=38 s=11
